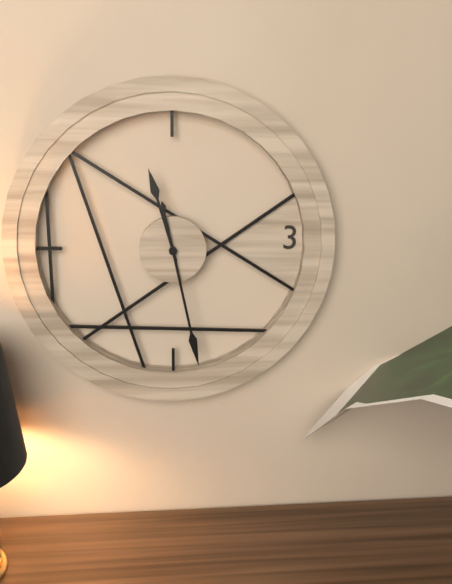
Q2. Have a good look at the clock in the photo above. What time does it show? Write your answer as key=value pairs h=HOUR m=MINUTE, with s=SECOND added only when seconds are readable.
h=11 m=28
